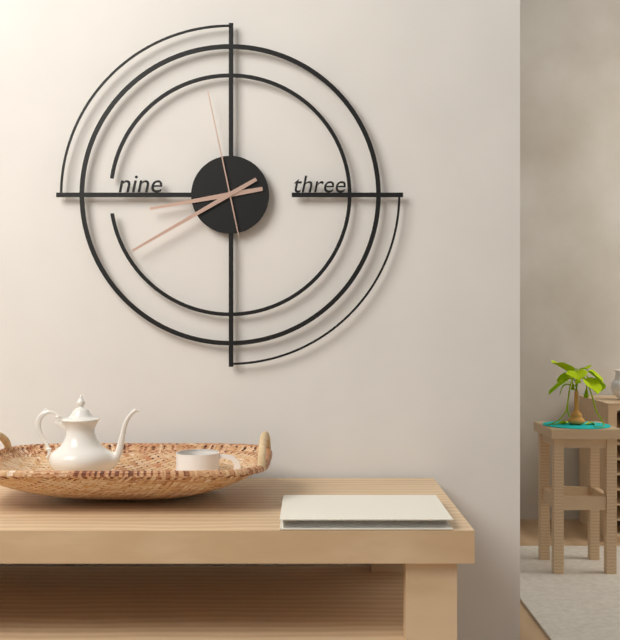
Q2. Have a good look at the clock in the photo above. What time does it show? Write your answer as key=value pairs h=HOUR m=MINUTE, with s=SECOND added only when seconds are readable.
h=8 m=40 s=58
